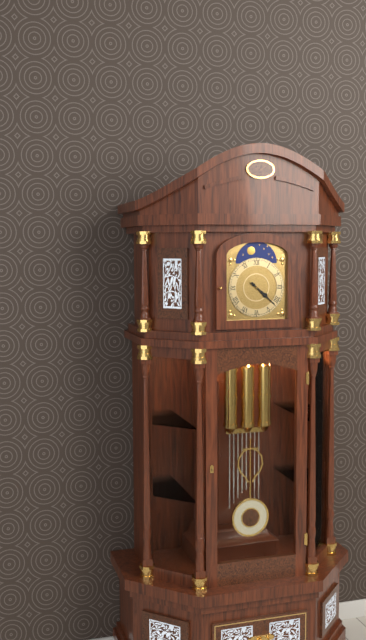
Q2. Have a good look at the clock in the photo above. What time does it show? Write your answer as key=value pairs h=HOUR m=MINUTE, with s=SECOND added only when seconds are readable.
h=4 m=22
